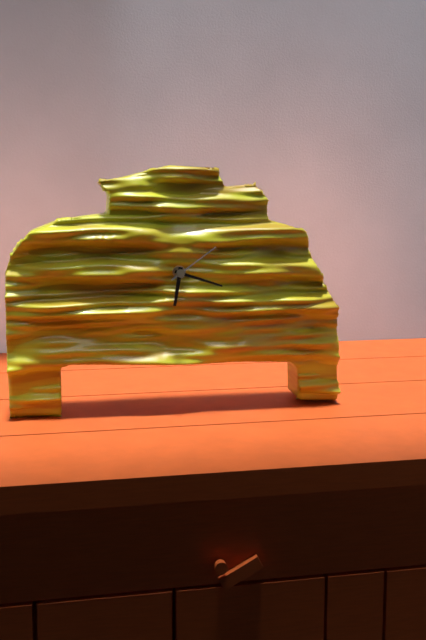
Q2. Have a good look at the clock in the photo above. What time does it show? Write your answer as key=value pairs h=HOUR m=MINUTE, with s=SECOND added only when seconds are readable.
h=6 m=18 s=9
